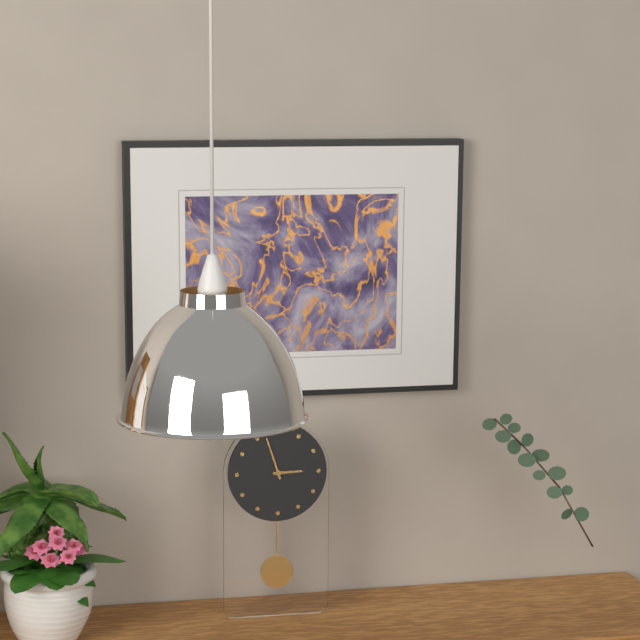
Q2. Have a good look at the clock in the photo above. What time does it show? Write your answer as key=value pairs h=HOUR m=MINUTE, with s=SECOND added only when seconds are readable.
h=2 m=57
